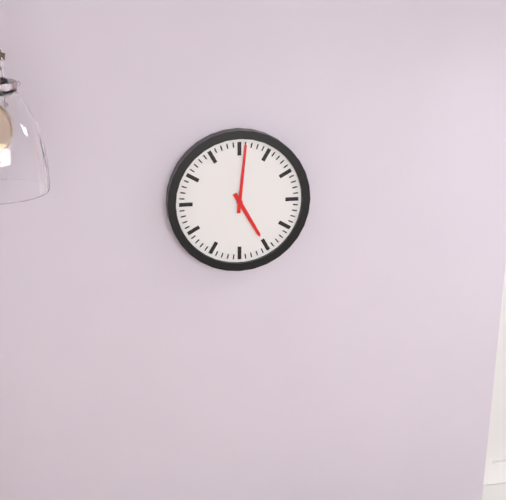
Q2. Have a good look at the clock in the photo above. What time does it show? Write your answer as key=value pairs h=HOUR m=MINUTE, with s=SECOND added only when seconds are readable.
h=5 m=1
